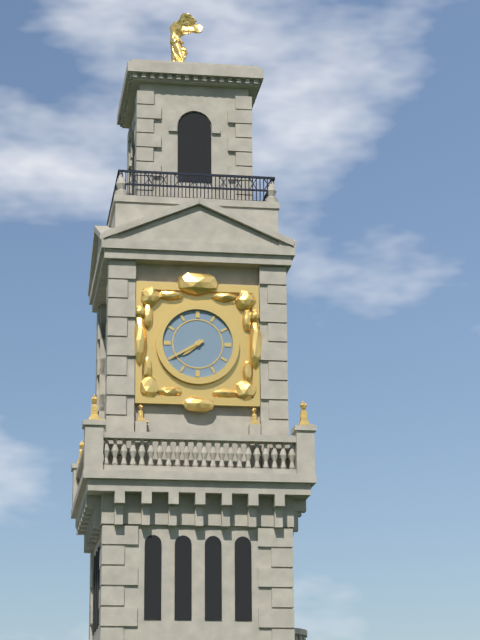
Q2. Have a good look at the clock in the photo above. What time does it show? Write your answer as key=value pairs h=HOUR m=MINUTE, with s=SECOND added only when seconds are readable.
h=7 m=40
